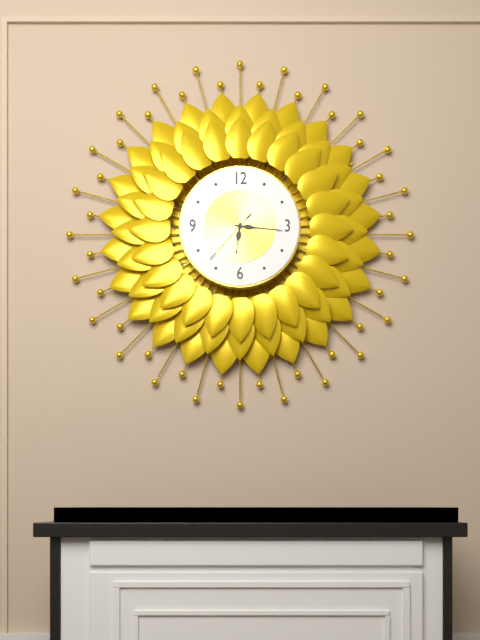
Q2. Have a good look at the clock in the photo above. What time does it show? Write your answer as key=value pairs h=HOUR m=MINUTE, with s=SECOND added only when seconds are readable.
h=6 m=16 s=37
